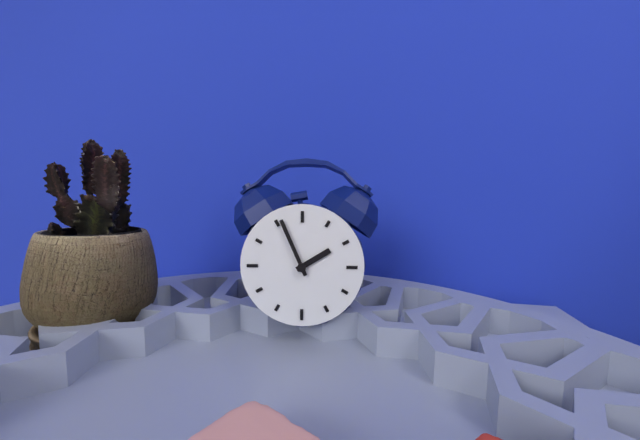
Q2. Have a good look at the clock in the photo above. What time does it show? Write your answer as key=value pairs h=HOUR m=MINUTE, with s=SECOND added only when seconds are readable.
h=1 m=56
